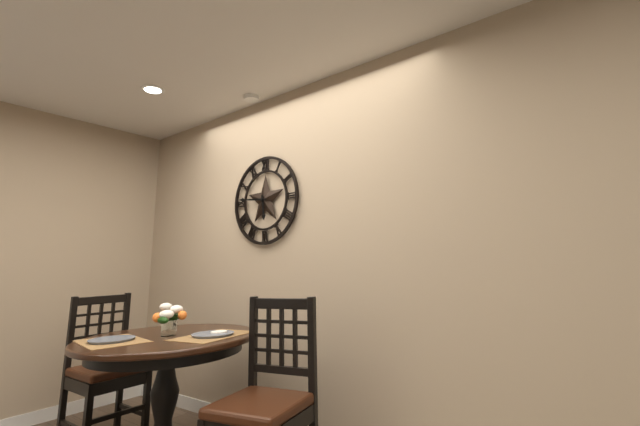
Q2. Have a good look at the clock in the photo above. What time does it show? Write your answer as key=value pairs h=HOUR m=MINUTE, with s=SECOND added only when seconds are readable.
h=5 m=46
